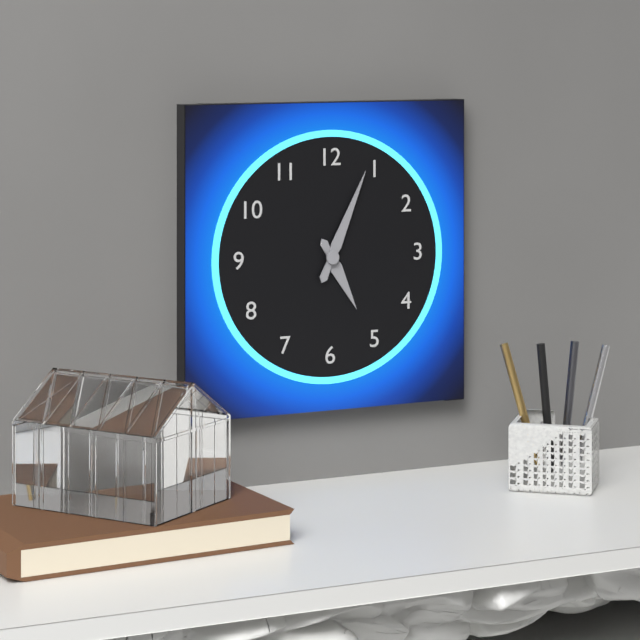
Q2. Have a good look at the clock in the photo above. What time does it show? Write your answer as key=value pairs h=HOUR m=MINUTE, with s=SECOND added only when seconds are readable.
h=5 m=4
